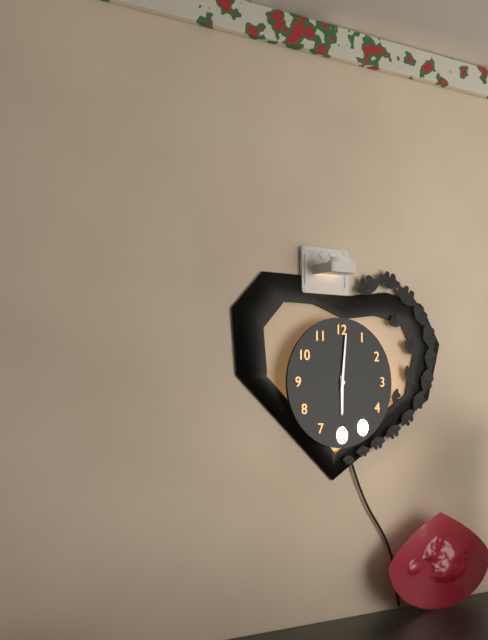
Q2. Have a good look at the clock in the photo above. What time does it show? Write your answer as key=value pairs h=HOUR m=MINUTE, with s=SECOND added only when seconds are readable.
h=6 m=1
